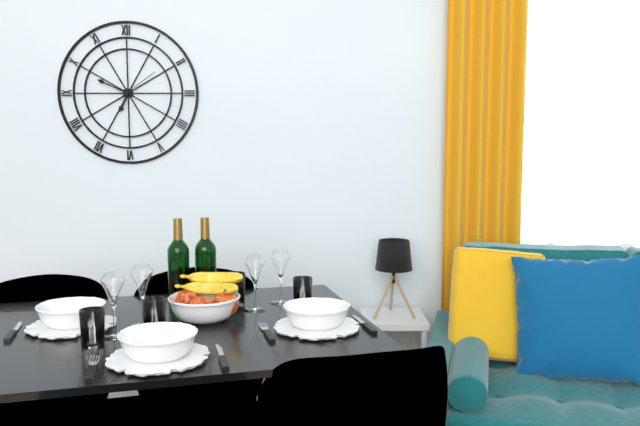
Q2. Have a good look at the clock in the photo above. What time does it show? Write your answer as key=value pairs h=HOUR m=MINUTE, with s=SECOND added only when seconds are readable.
h=6 m=49
